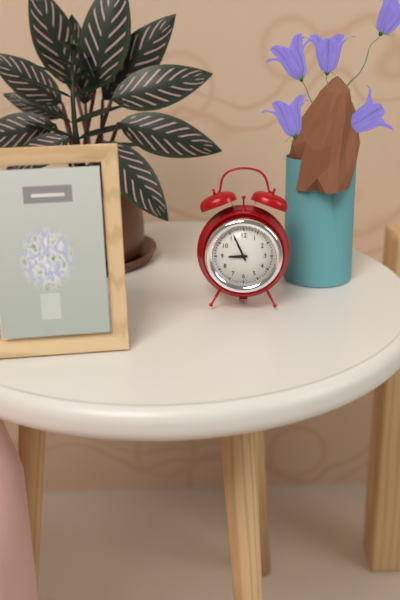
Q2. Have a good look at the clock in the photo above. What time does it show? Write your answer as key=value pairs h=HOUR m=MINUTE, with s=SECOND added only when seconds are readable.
h=8 m=56
